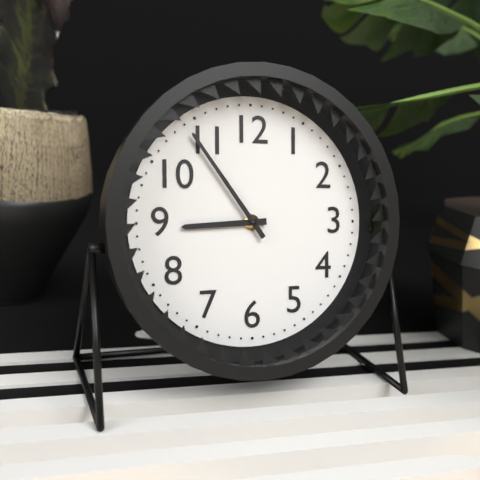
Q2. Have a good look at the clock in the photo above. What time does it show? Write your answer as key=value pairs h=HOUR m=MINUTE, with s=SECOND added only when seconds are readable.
h=8 m=54
